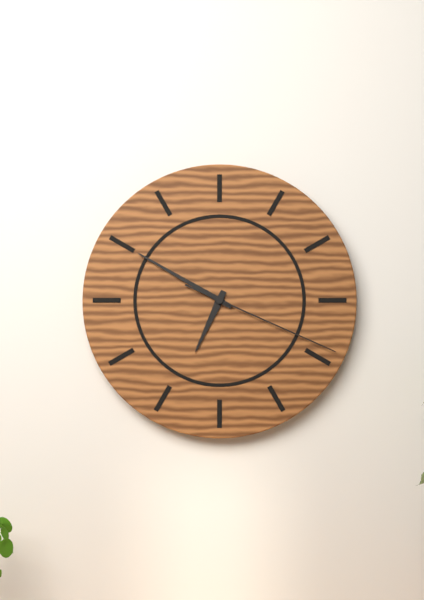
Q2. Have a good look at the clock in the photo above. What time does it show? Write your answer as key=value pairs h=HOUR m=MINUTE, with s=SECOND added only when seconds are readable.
h=6 m=50 s=19
